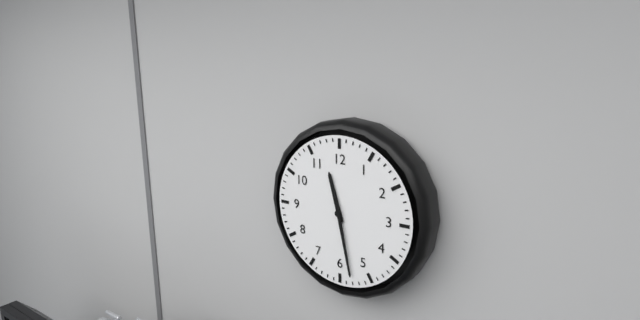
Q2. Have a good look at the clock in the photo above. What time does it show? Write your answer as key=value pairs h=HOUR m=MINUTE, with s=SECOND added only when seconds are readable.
h=11 m=28
